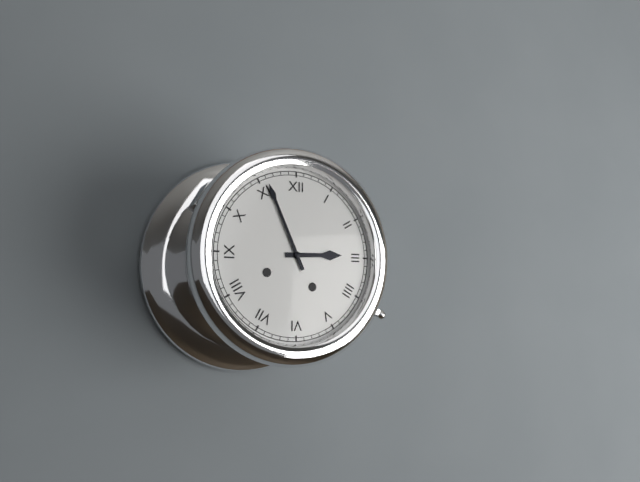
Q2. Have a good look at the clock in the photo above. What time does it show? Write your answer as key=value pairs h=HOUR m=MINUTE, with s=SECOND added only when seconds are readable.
h=2 m=56
